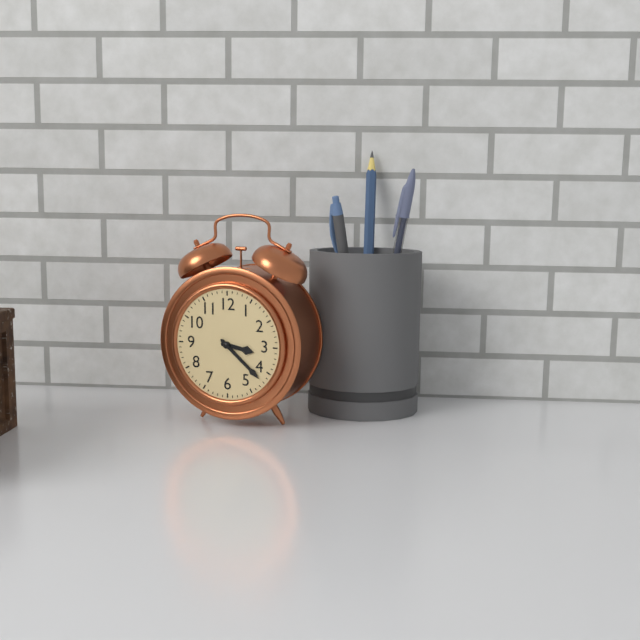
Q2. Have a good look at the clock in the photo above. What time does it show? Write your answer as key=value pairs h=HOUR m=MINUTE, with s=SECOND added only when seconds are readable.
h=3 m=22
